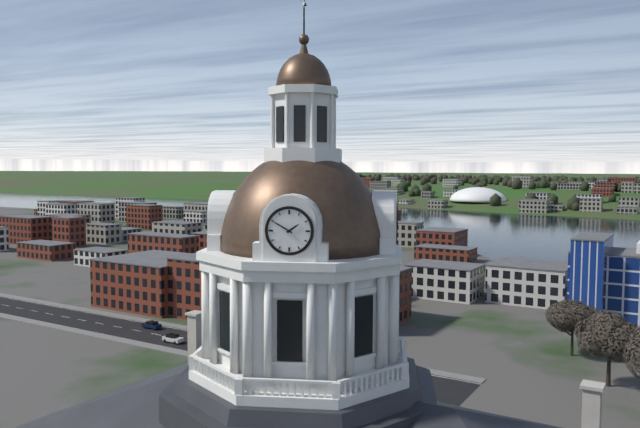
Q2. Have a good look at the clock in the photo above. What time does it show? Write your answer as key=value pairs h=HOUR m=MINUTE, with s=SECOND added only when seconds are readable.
h=1 m=50
